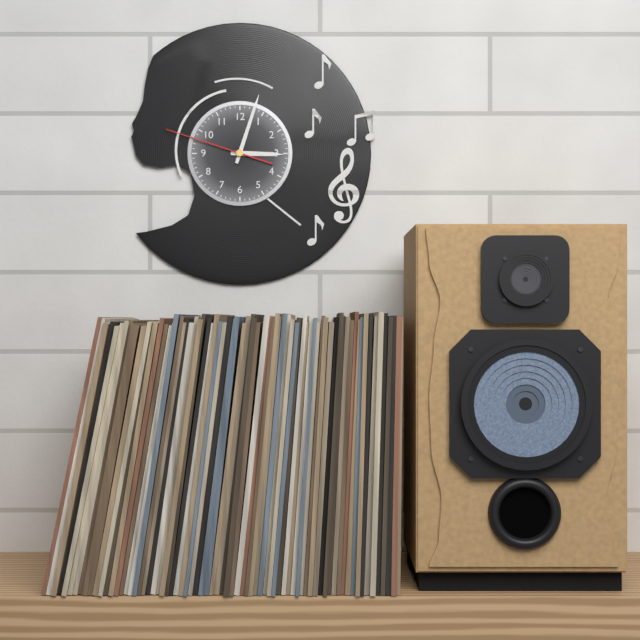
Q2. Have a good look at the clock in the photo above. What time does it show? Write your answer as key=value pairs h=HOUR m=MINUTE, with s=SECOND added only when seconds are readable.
h=3 m=3 s=48
